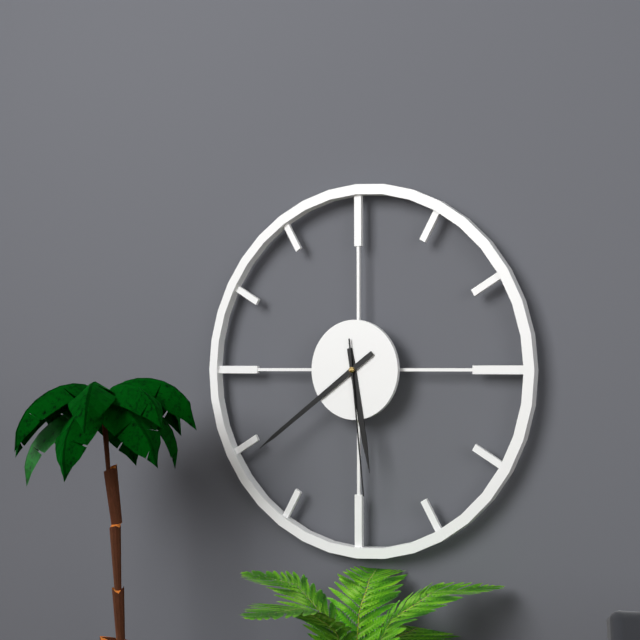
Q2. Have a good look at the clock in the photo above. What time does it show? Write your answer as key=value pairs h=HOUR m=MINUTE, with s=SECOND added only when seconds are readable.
h=5 m=39 s=29
